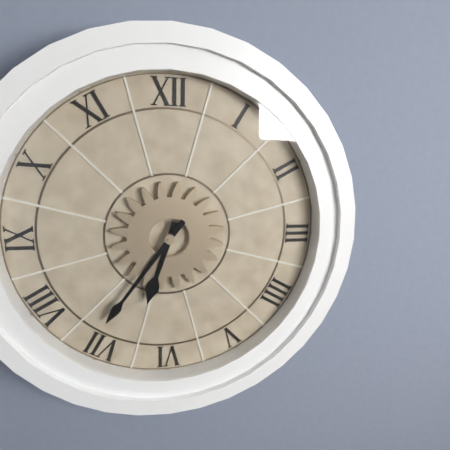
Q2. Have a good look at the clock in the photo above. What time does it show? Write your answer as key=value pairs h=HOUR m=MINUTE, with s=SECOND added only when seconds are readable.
h=6 m=36
